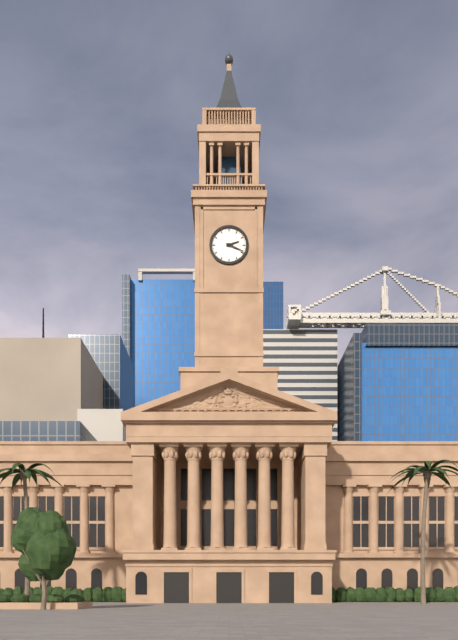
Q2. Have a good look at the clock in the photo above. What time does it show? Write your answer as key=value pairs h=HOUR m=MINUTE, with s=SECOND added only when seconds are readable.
h=2 m=19
